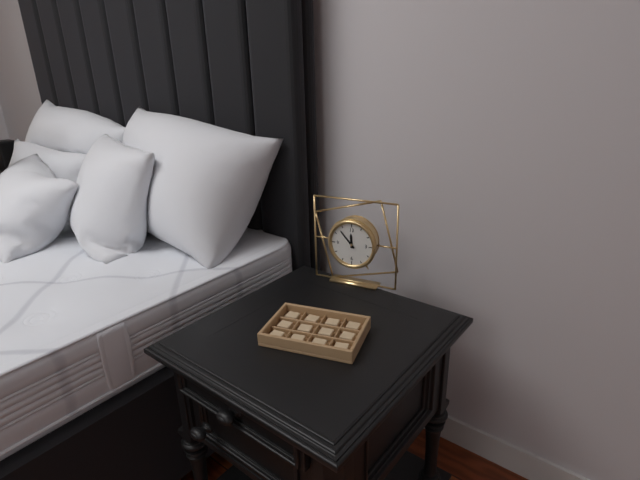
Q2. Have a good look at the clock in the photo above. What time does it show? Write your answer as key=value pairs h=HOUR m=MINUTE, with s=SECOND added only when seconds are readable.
h=11 m=53
